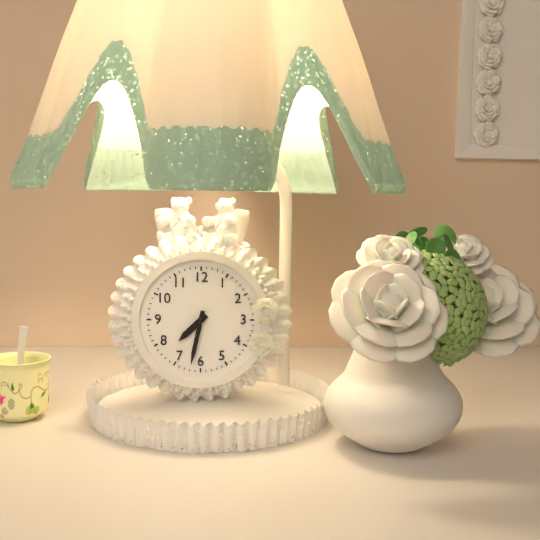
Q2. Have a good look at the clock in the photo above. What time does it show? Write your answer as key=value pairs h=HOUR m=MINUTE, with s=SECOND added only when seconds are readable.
h=7 m=32
